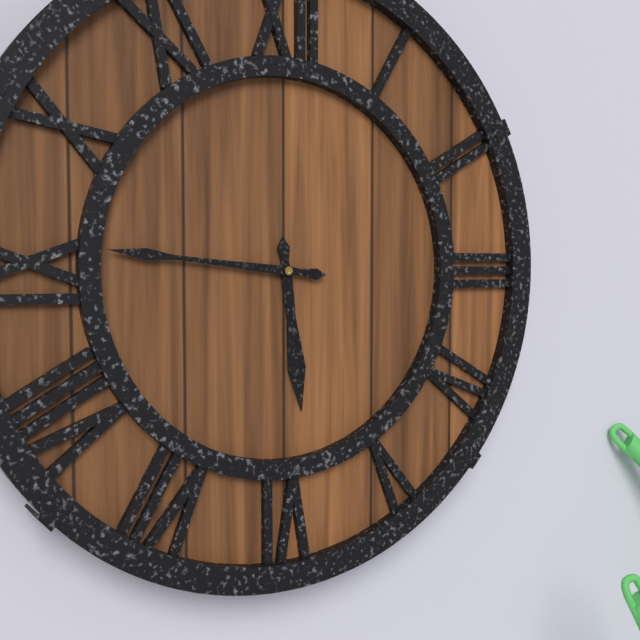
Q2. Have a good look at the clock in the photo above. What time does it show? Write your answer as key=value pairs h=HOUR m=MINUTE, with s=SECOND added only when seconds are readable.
h=5 m=46
